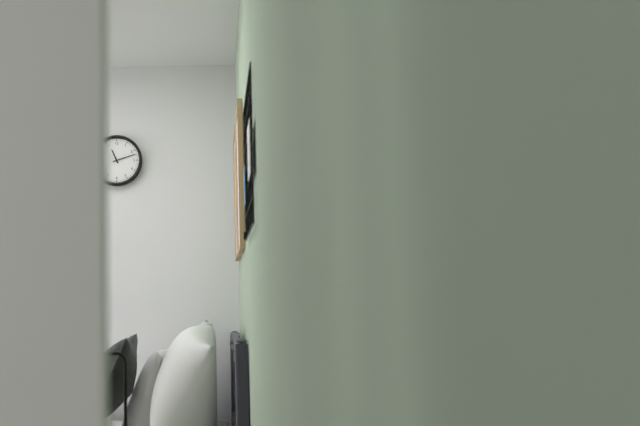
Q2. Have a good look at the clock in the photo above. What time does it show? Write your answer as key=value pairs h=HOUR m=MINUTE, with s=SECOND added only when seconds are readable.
h=11 m=12
